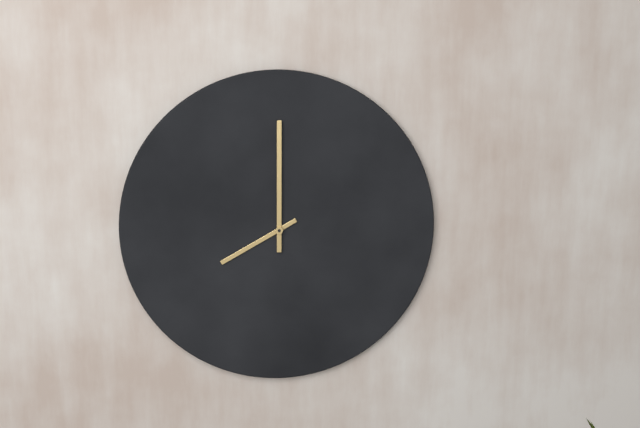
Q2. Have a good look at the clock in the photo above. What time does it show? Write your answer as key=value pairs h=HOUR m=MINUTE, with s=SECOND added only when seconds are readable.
h=8 m=0
